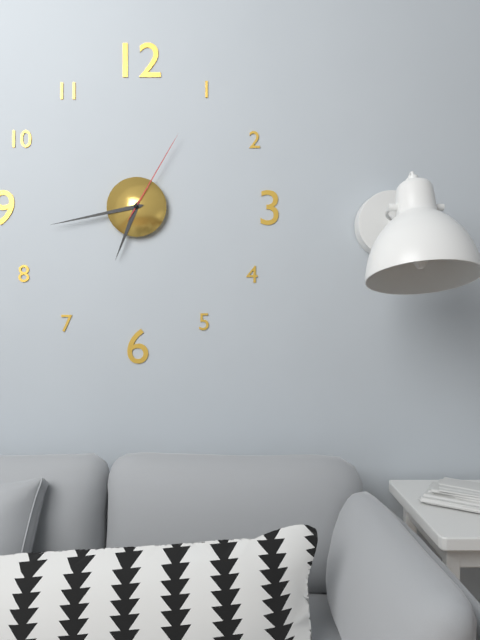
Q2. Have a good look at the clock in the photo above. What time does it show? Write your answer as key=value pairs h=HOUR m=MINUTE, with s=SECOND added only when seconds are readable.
h=6 m=43 s=5
